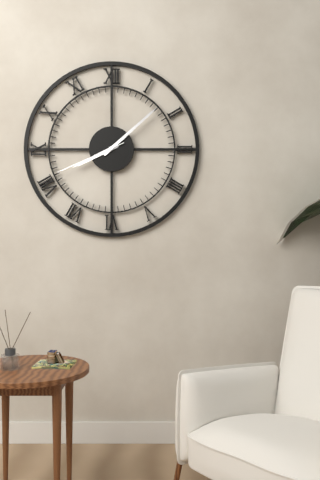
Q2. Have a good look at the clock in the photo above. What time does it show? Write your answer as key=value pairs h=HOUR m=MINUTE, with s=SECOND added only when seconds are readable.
h=8 m=8 s=41
